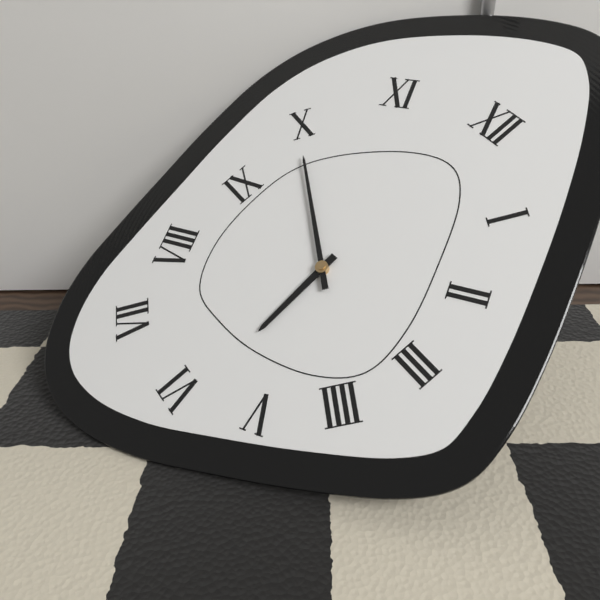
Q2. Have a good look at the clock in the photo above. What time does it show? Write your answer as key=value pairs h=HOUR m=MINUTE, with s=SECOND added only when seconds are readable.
h=5 m=50
